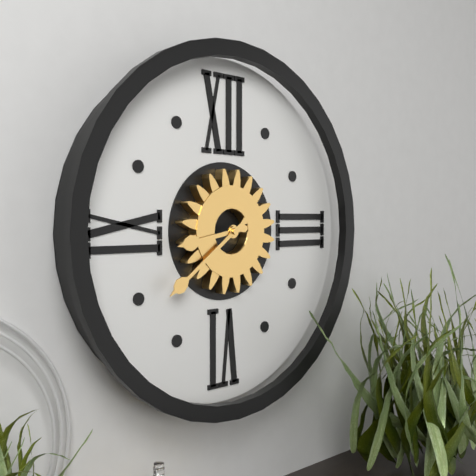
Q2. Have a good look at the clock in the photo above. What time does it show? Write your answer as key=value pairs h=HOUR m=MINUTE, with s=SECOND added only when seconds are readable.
h=8 m=39
